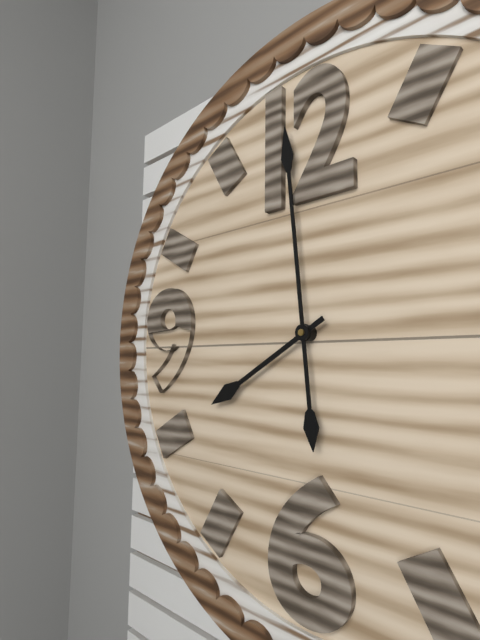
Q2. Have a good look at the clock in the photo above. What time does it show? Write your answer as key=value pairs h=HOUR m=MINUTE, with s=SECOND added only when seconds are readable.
h=7 m=59
